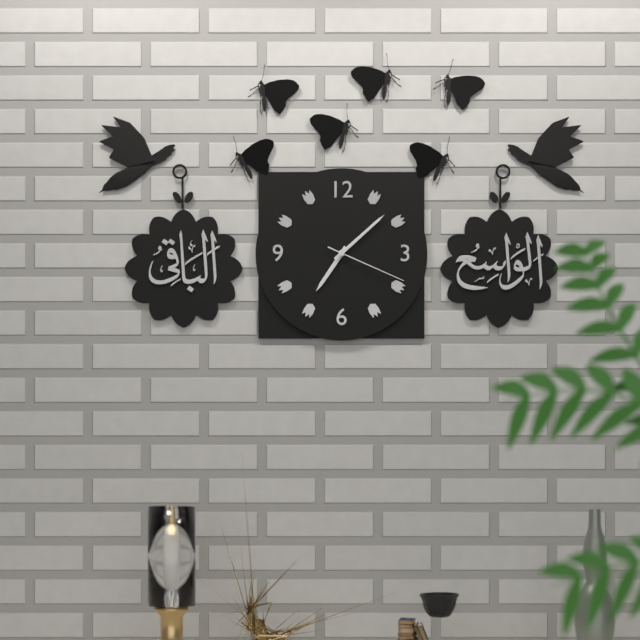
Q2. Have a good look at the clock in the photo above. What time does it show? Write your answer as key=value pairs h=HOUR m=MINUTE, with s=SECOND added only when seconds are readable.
h=7 m=8 s=19
